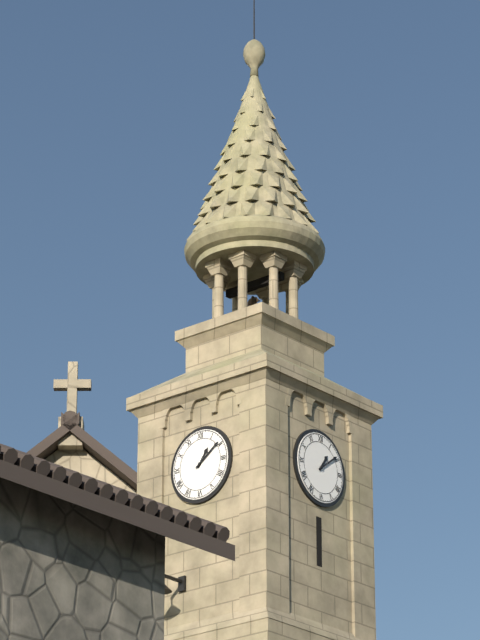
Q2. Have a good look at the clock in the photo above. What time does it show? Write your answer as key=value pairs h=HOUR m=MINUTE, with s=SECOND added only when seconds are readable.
h=1 m=9
